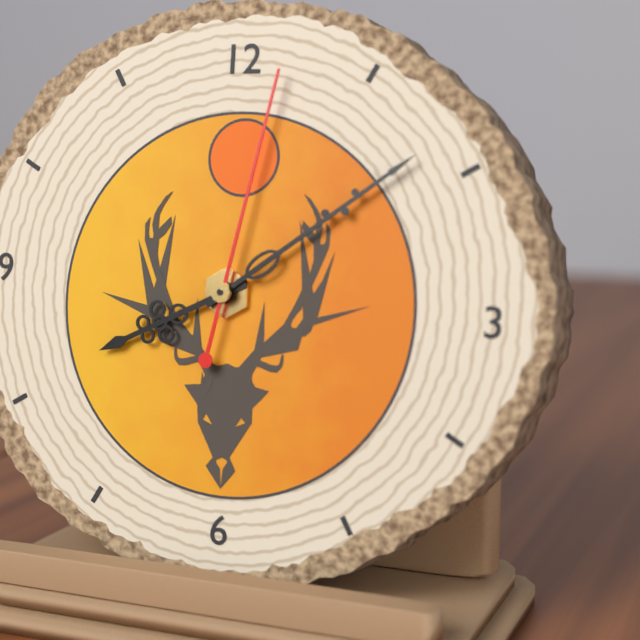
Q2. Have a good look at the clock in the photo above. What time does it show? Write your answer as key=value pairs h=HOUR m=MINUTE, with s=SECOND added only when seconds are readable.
h=8 m=9 s=2
